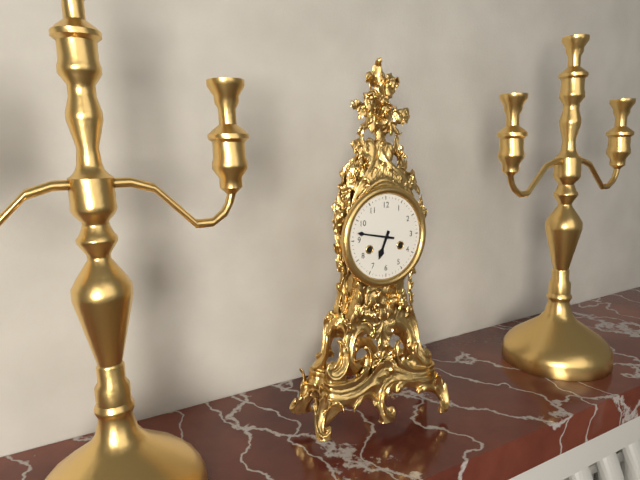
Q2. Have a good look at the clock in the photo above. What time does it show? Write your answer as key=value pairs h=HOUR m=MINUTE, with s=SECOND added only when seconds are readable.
h=6 m=47
